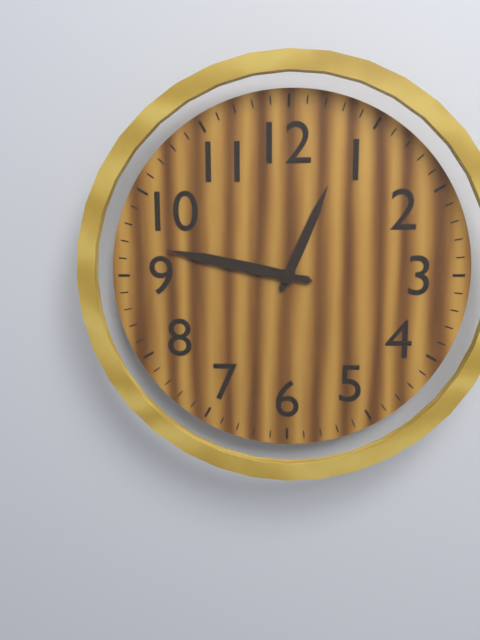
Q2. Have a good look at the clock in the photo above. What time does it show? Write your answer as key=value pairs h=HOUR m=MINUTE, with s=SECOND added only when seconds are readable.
h=12 m=47
